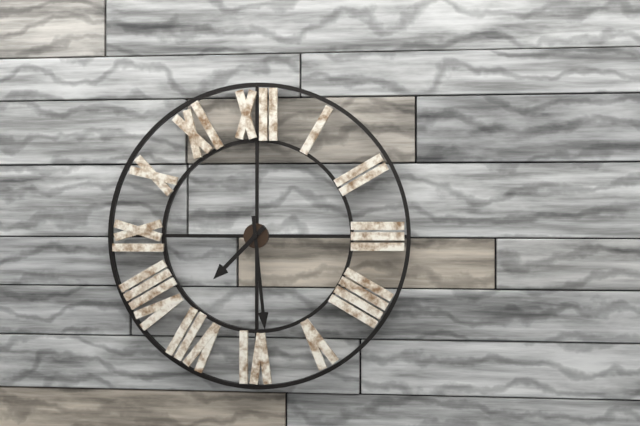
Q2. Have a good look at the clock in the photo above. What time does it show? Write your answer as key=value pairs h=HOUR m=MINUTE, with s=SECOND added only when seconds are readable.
h=7 m=29
